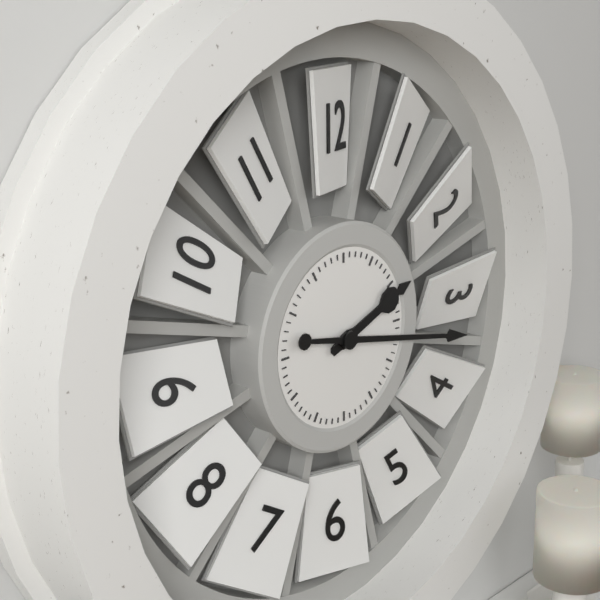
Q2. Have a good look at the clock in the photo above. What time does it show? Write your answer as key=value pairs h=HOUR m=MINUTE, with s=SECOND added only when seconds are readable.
h=2 m=17
